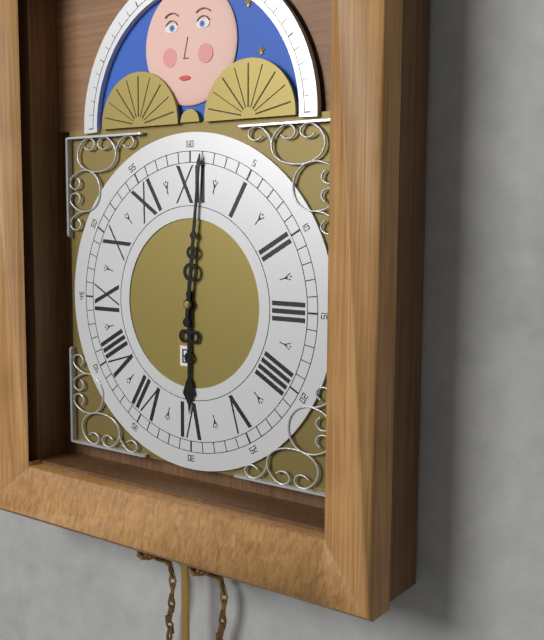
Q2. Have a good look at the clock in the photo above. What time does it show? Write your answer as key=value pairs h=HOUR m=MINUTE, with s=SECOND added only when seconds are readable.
h=6 m=1
